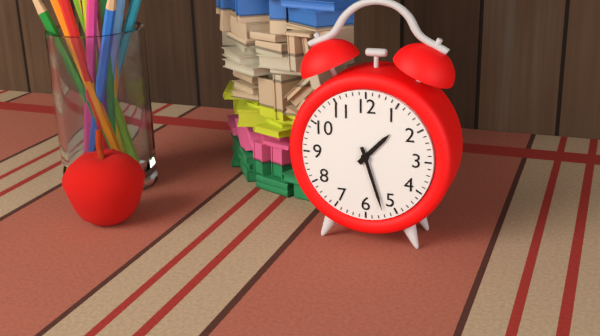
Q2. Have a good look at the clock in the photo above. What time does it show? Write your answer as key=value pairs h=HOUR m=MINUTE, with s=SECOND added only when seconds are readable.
h=1 m=27
